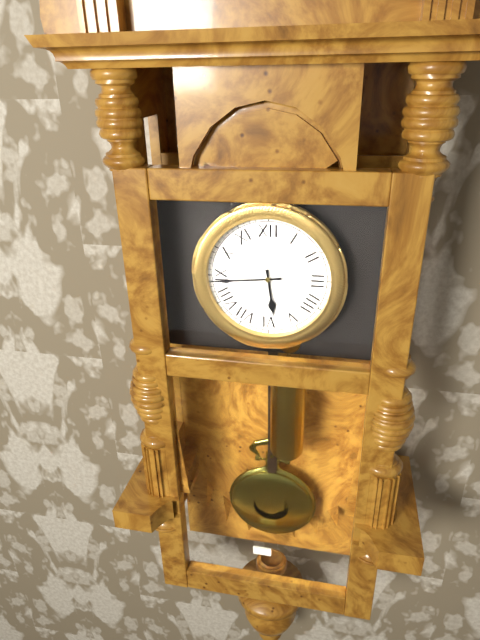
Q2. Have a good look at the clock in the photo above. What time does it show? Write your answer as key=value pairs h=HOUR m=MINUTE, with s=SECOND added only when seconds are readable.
h=5 m=44
